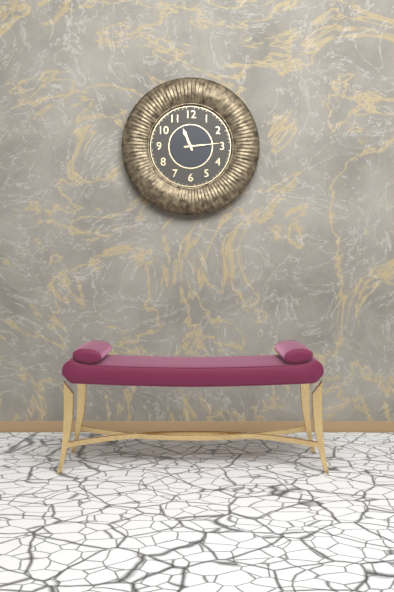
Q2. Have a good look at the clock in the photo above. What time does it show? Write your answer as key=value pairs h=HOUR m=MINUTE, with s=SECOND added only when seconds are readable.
h=11 m=14
